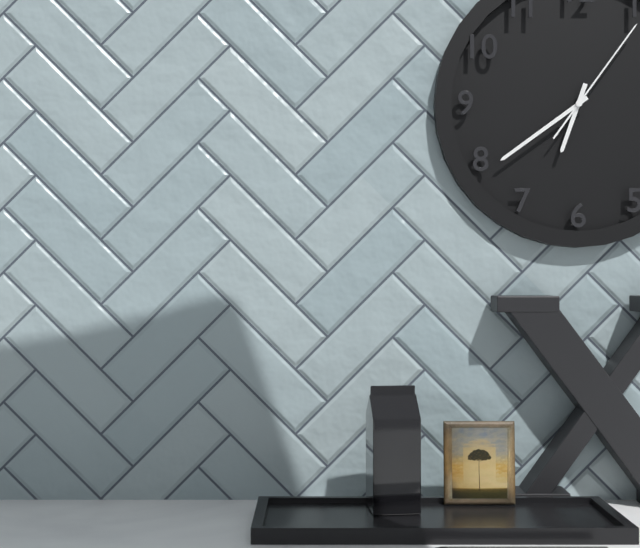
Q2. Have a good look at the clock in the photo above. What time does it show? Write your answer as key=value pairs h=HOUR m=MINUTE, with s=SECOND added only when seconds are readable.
h=6 m=39 s=6
